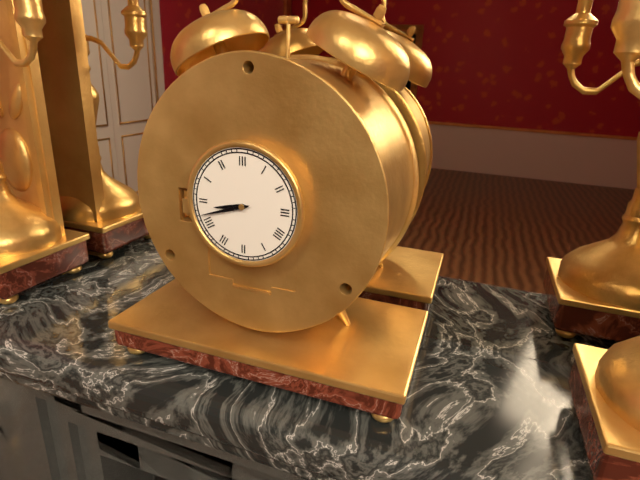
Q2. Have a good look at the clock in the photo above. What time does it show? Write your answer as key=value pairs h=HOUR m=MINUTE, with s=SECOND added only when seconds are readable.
h=8 m=42
